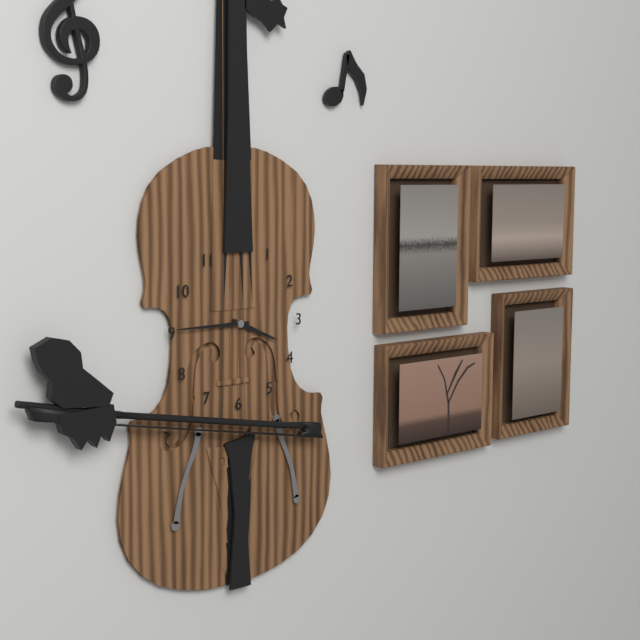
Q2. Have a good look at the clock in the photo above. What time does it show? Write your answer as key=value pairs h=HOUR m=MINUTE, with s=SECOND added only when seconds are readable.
h=3 m=45
